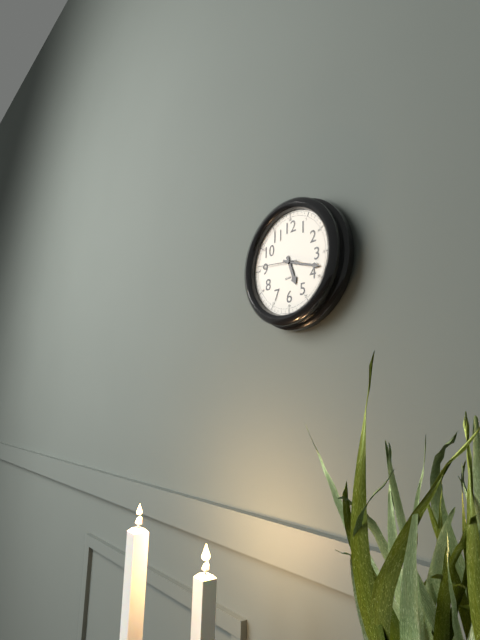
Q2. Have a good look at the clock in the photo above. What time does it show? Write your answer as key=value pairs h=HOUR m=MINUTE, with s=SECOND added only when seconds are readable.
h=5 m=18
